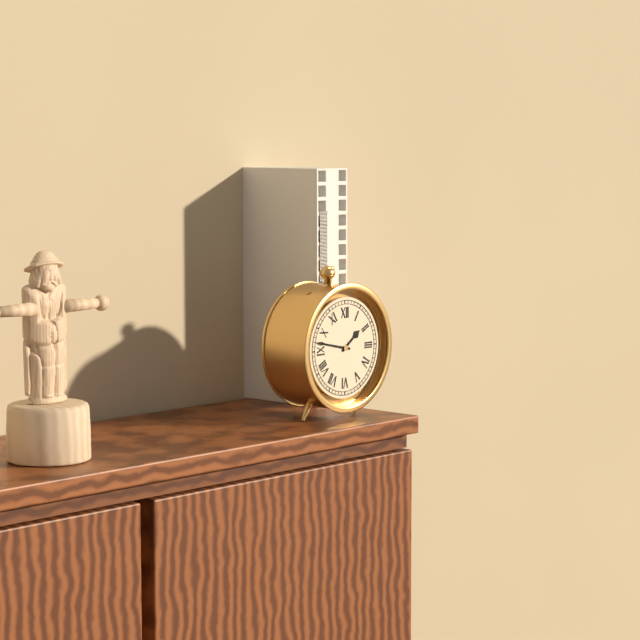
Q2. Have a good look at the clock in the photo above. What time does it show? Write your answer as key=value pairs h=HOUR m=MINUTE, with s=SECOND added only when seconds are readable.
h=1 m=47
